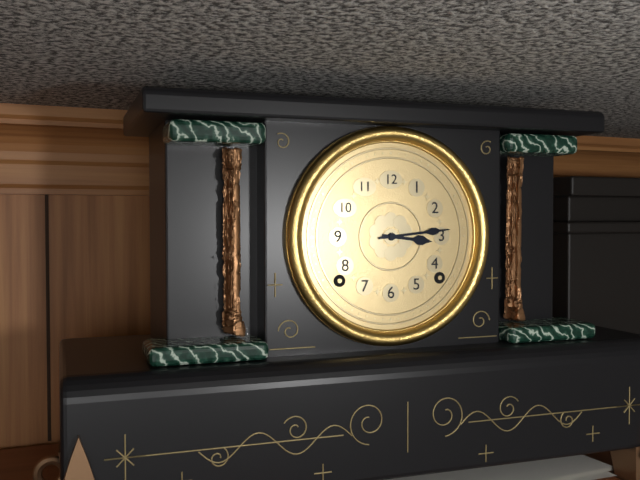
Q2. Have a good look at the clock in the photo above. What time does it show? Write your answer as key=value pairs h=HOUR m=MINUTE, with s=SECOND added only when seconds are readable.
h=3 m=14
